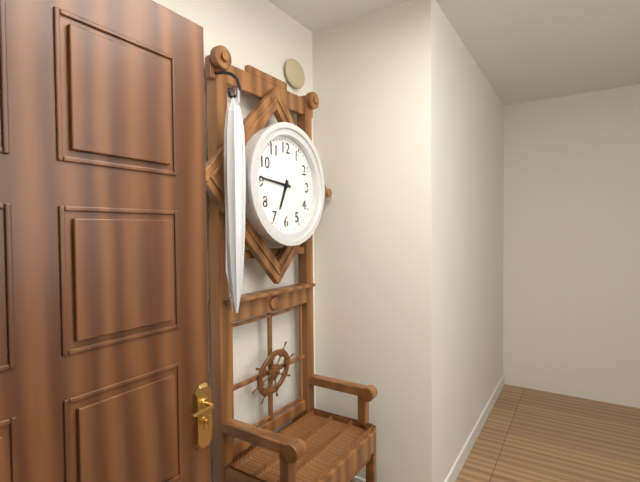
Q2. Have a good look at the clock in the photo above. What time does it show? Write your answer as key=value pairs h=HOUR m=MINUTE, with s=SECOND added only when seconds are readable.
h=6 m=46
